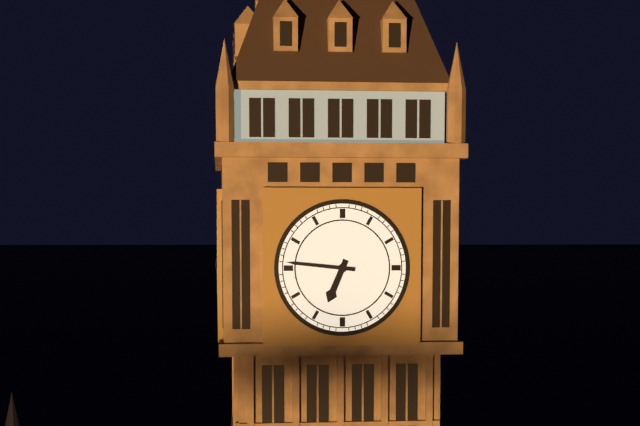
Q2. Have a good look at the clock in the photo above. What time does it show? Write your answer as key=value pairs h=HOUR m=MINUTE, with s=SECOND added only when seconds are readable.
h=6 m=46
